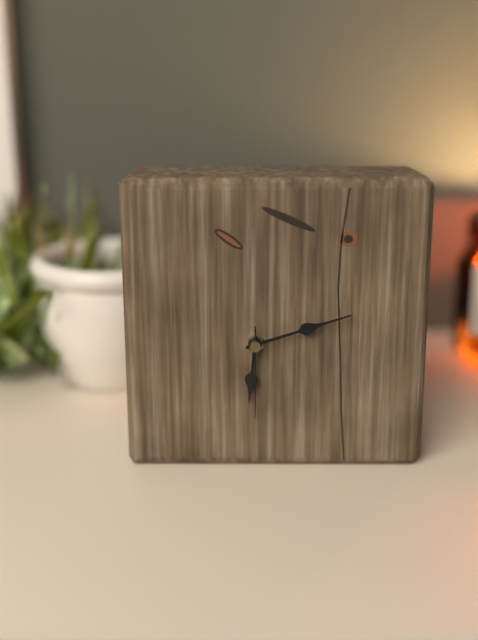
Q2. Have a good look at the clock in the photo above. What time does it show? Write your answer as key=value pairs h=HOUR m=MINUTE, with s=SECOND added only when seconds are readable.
h=6 m=12 s=30
